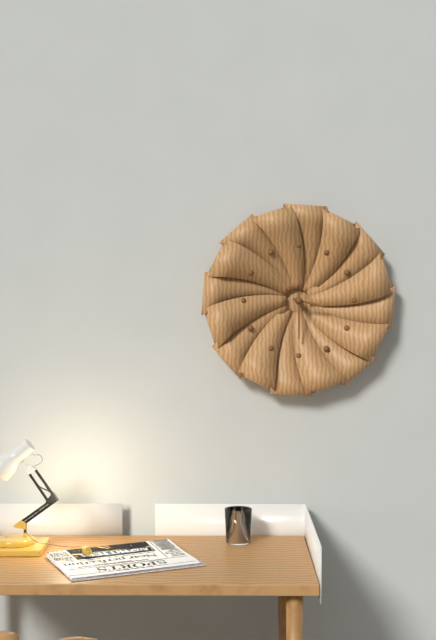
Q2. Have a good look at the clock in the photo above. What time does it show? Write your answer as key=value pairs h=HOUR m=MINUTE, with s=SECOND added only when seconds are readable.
h=3 m=30
